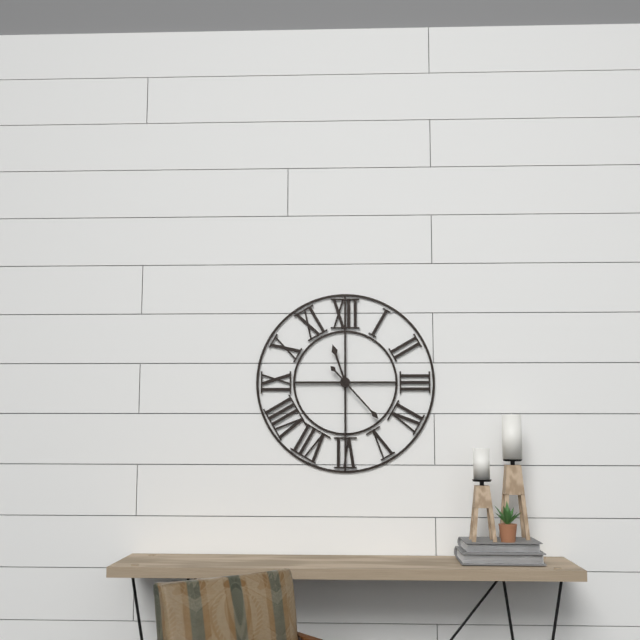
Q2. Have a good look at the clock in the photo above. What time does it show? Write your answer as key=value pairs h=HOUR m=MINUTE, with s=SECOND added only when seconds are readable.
h=11 m=23
